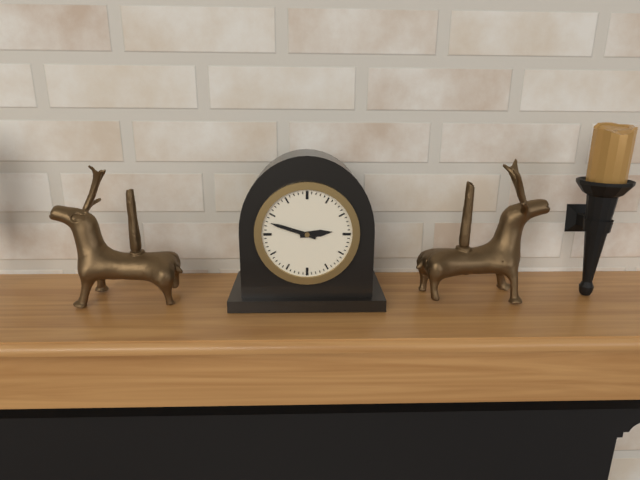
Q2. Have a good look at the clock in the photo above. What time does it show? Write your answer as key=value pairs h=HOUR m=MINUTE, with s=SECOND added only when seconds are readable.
h=2 m=48
